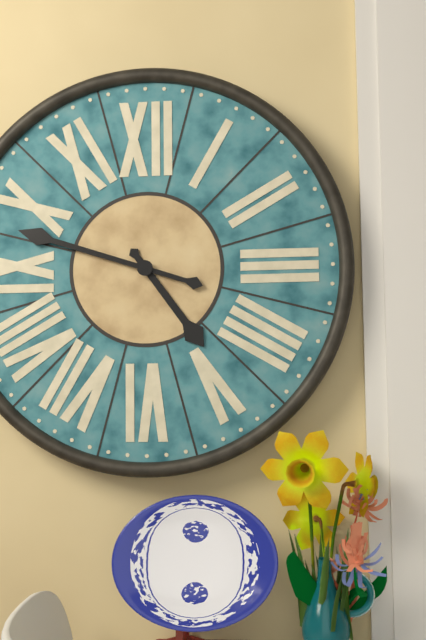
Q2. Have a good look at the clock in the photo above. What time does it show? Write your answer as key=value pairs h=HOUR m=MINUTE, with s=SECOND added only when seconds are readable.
h=4 m=48
